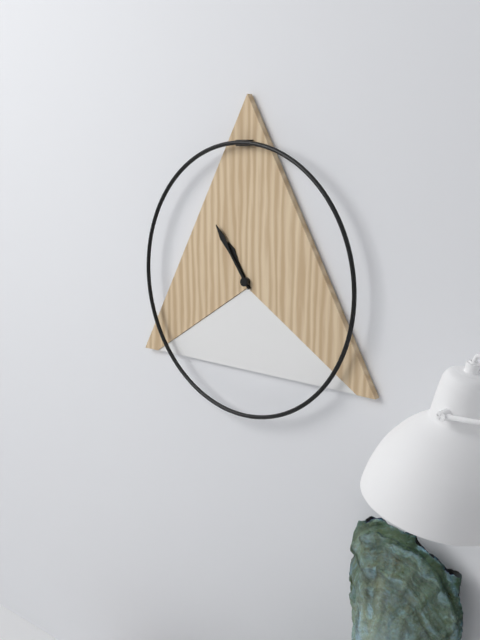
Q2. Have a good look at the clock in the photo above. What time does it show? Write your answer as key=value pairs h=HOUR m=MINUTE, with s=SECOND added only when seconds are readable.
h=10 m=54
